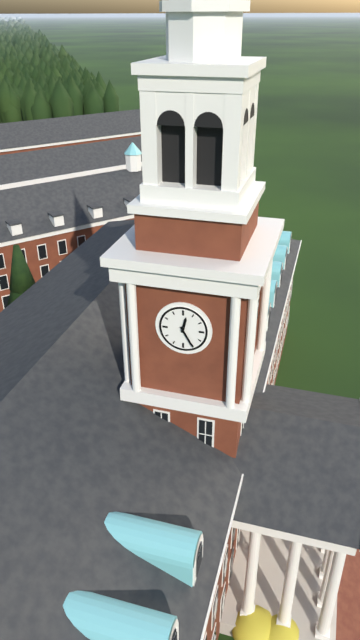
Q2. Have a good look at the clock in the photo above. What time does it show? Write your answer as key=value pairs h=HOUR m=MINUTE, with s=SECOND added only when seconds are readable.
h=12 m=25
